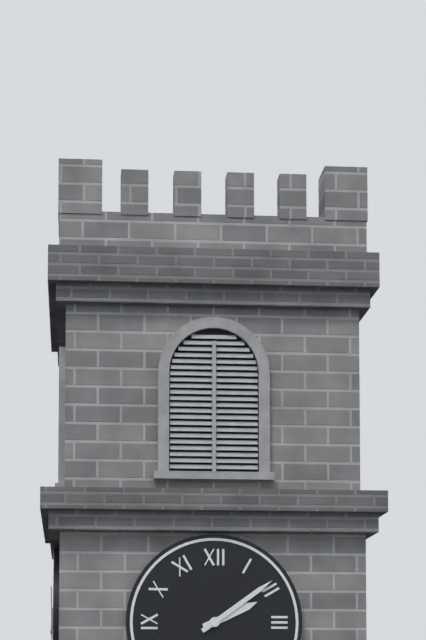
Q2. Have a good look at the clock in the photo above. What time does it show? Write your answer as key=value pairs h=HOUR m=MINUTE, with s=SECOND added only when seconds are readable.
h=2 m=9
